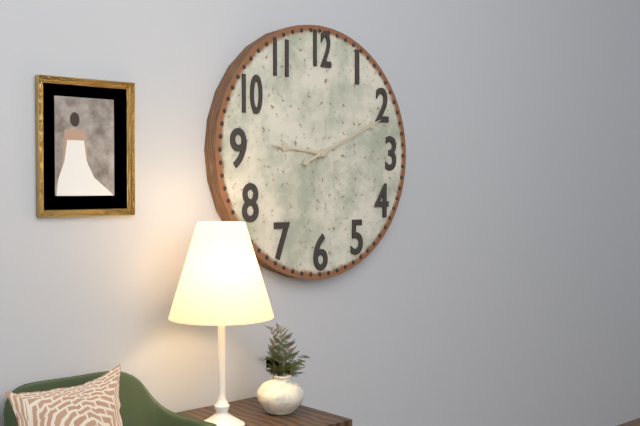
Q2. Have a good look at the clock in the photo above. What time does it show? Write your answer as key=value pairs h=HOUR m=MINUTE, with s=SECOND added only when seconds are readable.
h=9 m=11
